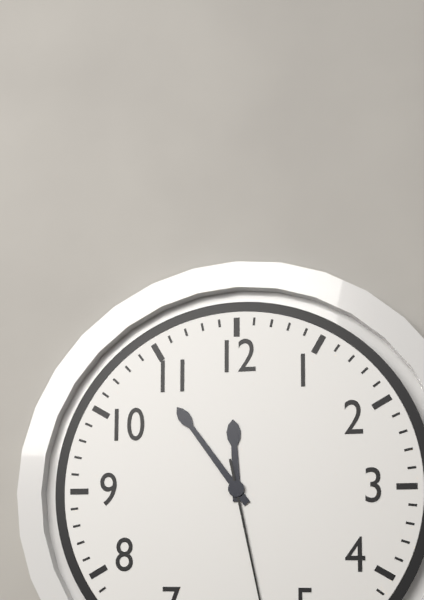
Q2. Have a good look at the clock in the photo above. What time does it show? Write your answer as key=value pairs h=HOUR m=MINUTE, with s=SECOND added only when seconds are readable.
h=11 m=54
